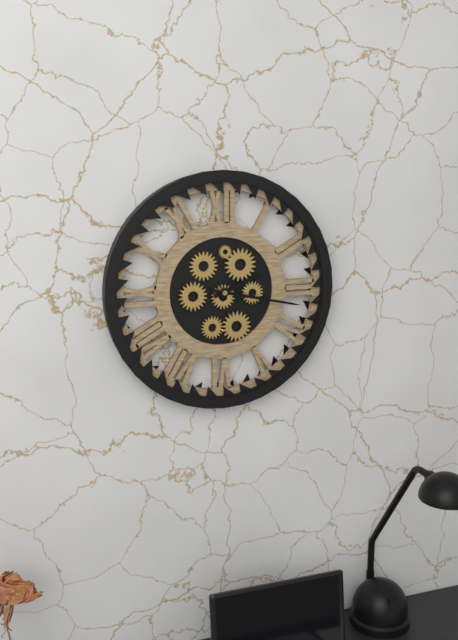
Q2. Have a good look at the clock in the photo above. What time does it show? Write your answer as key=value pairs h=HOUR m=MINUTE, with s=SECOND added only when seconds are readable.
h=2 m=17
